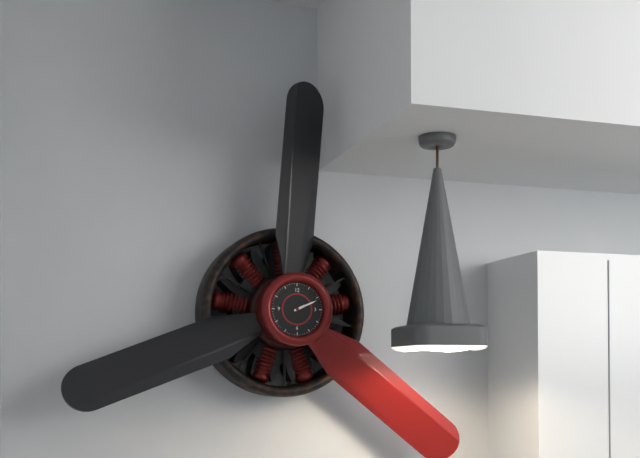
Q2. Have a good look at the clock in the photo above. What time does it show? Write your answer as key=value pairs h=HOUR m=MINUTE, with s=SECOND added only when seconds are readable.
h=2 m=11
